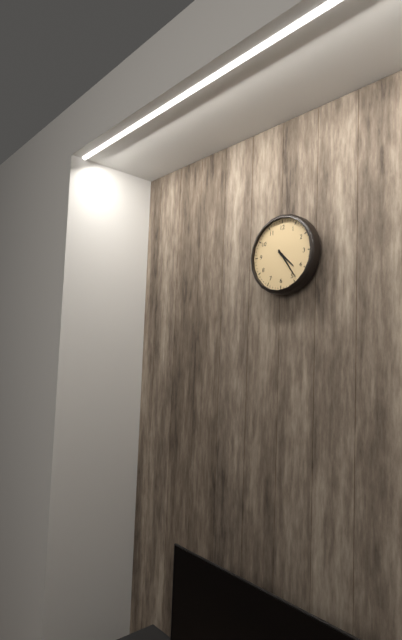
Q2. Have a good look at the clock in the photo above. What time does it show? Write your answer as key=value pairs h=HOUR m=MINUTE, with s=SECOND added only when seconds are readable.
h=4 m=24
